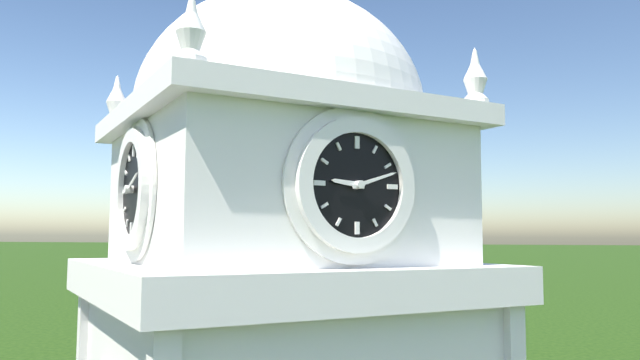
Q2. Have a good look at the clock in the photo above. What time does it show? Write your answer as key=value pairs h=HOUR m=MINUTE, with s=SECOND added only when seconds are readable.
h=9 m=12
